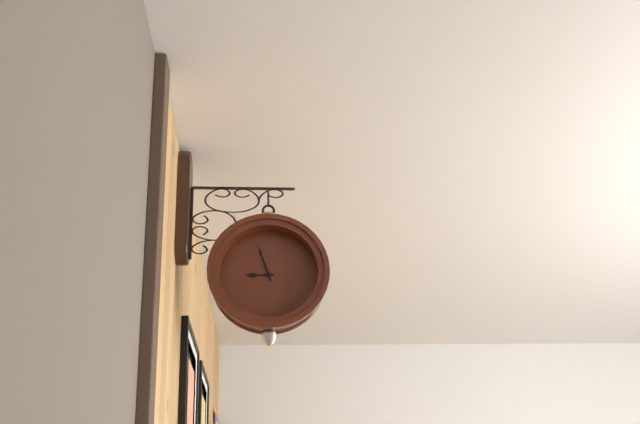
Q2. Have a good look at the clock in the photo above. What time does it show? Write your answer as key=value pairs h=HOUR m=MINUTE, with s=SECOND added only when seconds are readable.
h=8 m=57
